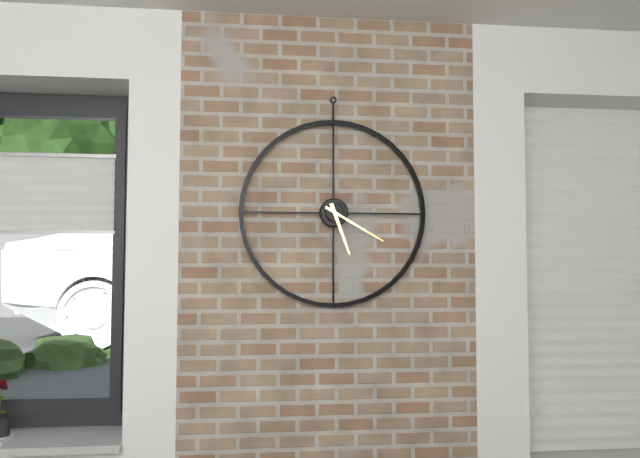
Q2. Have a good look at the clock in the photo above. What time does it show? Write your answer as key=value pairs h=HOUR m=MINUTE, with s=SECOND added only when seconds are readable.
h=5 m=20
